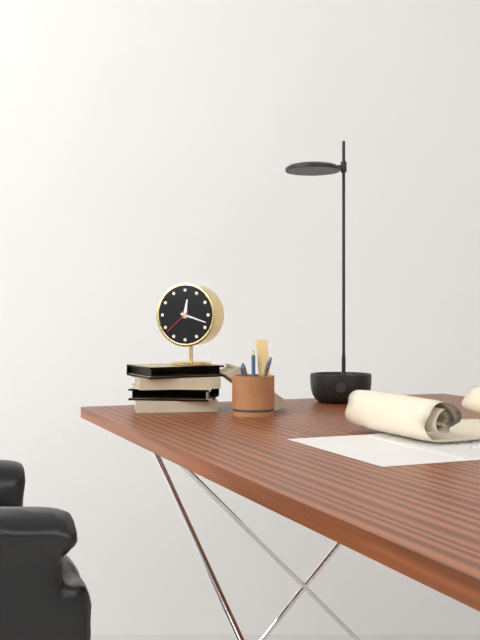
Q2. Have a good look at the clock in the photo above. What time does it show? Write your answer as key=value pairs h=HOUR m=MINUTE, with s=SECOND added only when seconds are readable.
h=12 m=18
